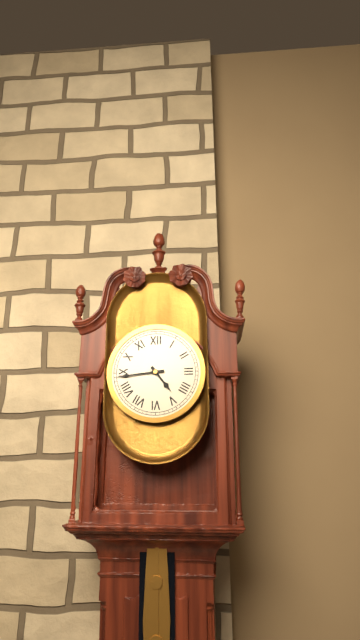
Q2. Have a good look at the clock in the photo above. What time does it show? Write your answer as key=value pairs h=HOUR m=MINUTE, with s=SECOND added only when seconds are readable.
h=4 m=44
